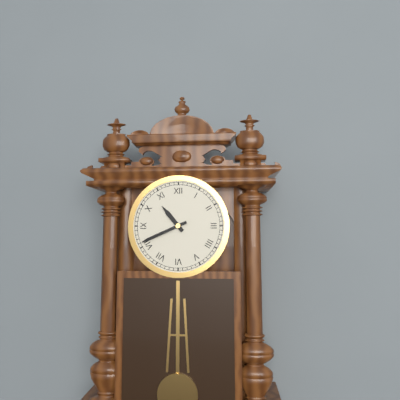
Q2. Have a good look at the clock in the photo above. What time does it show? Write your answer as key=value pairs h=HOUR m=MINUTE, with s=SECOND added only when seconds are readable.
h=10 m=41
